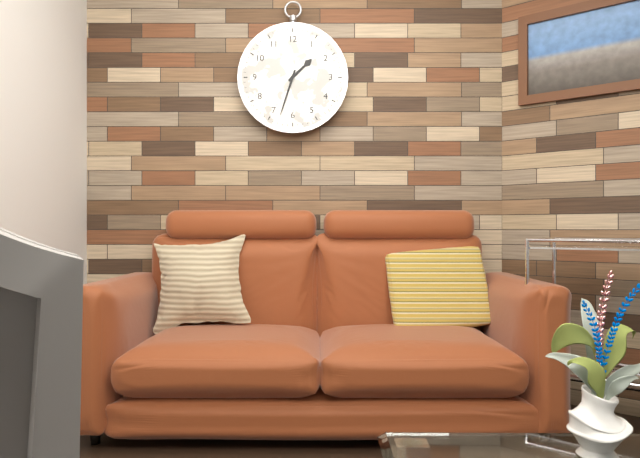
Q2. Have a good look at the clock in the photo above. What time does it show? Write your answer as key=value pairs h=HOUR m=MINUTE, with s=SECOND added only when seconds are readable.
h=1 m=33
